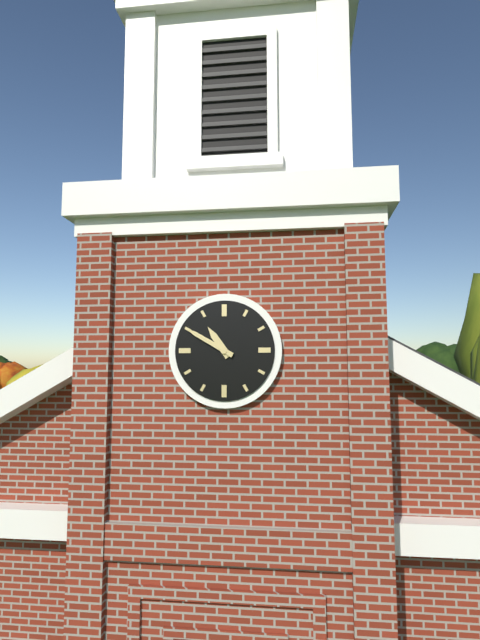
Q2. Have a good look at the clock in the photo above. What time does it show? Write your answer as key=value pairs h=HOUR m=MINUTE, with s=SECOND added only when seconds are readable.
h=10 m=50
